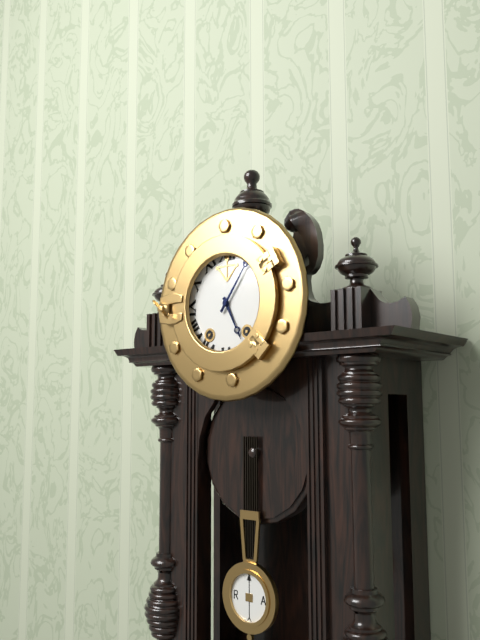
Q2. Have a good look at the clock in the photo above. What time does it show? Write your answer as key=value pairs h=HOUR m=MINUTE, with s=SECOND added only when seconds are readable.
h=5 m=6
